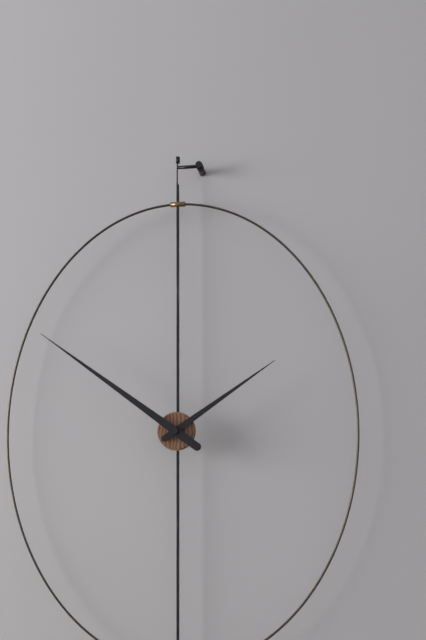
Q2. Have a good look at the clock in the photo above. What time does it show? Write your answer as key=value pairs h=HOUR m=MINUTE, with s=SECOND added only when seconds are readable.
h=1 m=51
